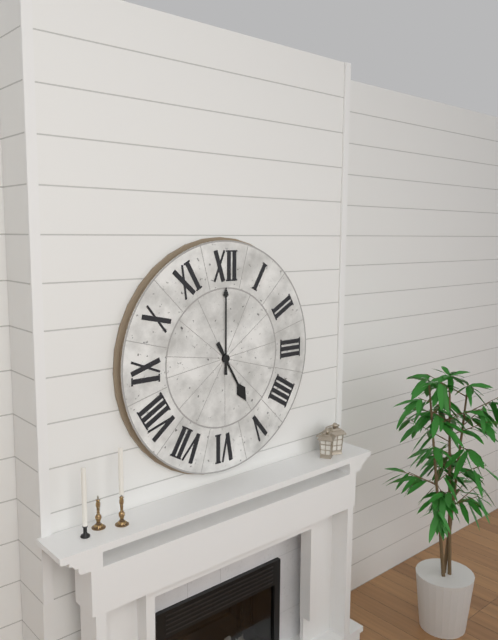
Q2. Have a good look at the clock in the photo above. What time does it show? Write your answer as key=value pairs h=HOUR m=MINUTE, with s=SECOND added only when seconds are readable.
h=5 m=0
